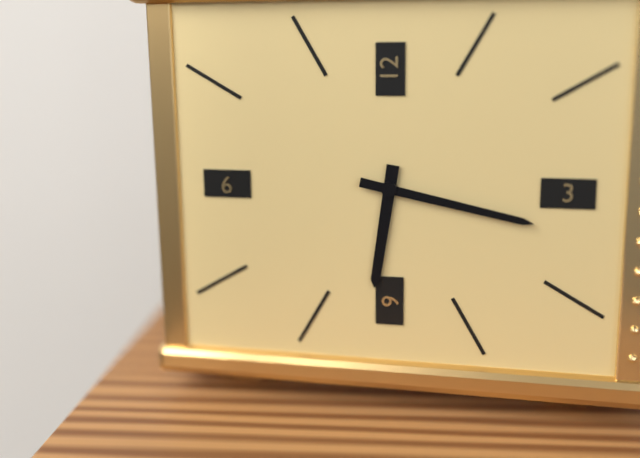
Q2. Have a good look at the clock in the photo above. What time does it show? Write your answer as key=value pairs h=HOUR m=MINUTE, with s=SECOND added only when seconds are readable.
h=6 m=17
